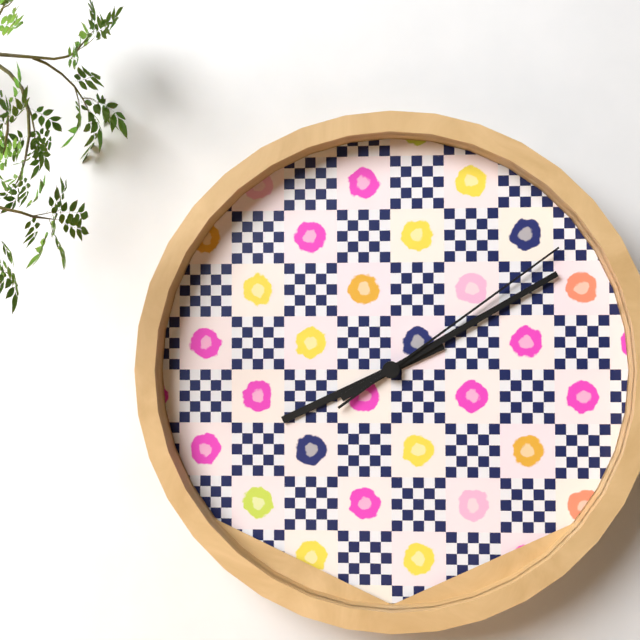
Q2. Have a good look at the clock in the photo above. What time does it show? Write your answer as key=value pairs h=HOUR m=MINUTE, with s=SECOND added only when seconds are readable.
h=8 m=10 s=9
